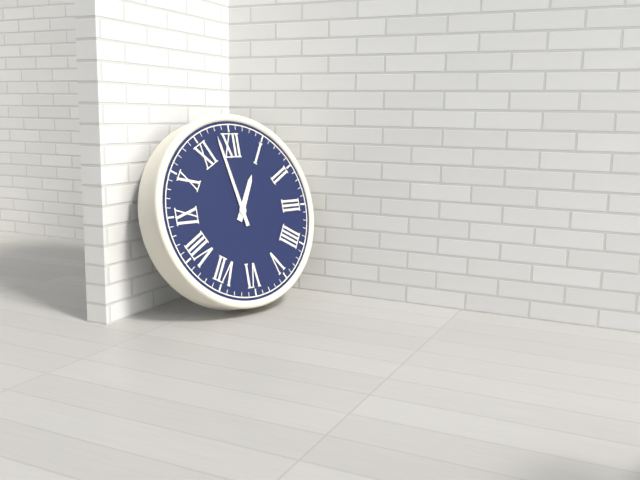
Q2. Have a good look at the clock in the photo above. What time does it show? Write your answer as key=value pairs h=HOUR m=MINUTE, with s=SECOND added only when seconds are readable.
h=12 m=58
